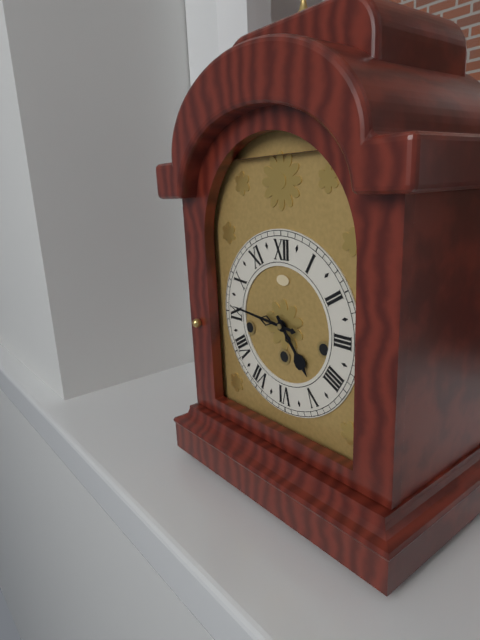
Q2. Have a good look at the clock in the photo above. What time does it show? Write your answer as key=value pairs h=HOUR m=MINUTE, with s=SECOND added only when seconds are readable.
h=4 m=46
